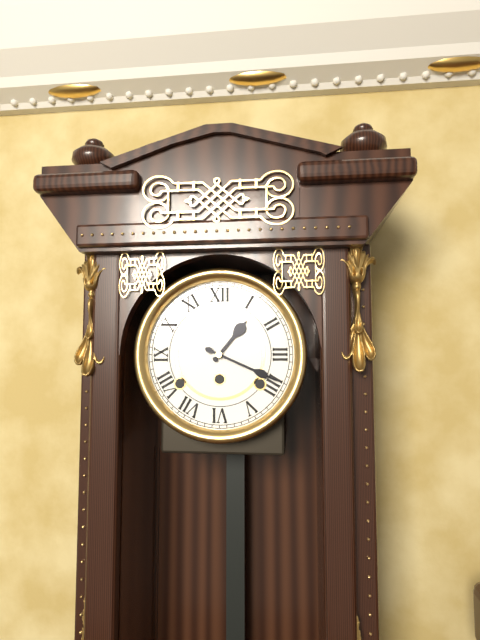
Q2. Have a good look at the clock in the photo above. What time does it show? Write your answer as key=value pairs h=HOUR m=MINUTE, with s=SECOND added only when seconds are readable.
h=1 m=19
